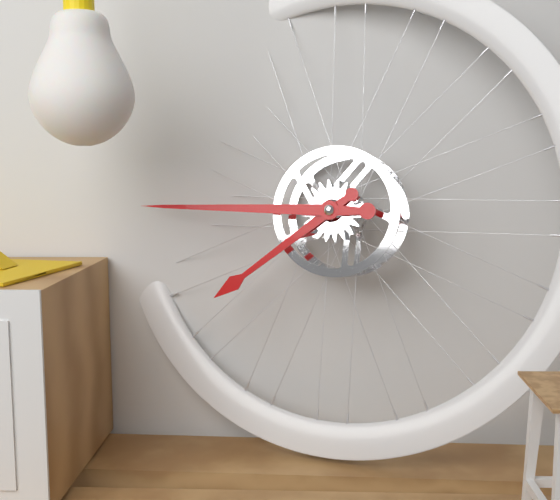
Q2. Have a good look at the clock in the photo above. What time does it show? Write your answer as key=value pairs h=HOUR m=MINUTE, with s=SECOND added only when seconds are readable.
h=7 m=45
